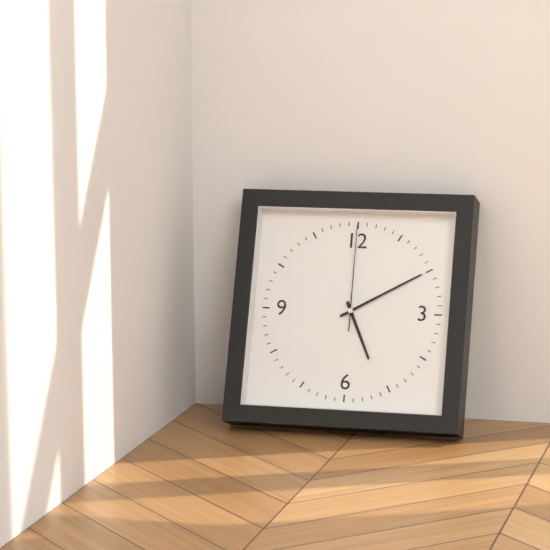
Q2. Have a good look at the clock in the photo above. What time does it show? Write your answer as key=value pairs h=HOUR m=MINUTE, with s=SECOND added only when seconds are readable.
h=5 m=10 s=0
